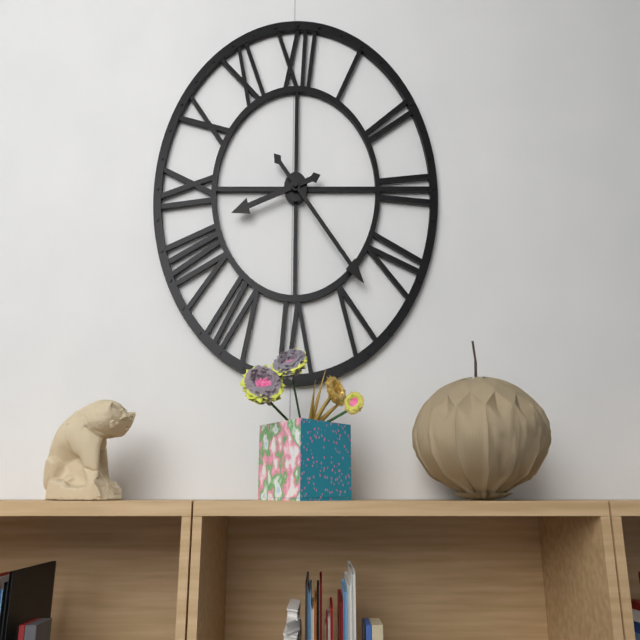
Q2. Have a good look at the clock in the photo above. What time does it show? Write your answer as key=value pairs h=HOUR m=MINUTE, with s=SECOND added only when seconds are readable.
h=8 m=23
